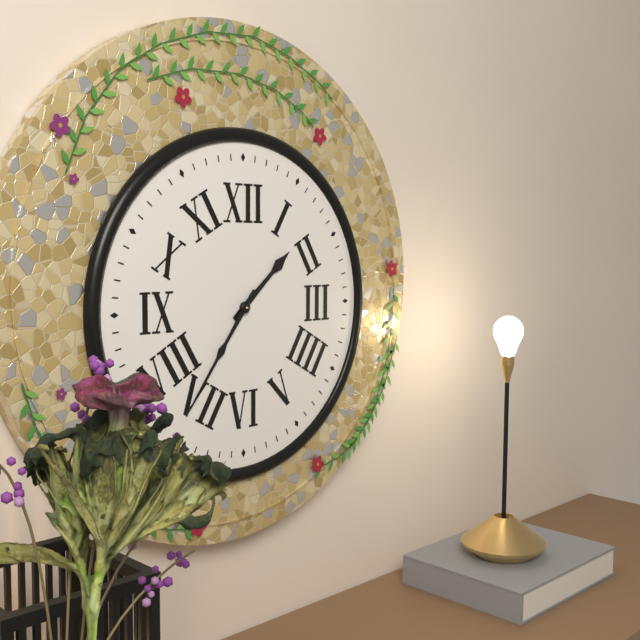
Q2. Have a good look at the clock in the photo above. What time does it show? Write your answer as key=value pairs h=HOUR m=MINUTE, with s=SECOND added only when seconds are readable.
h=1 m=36
